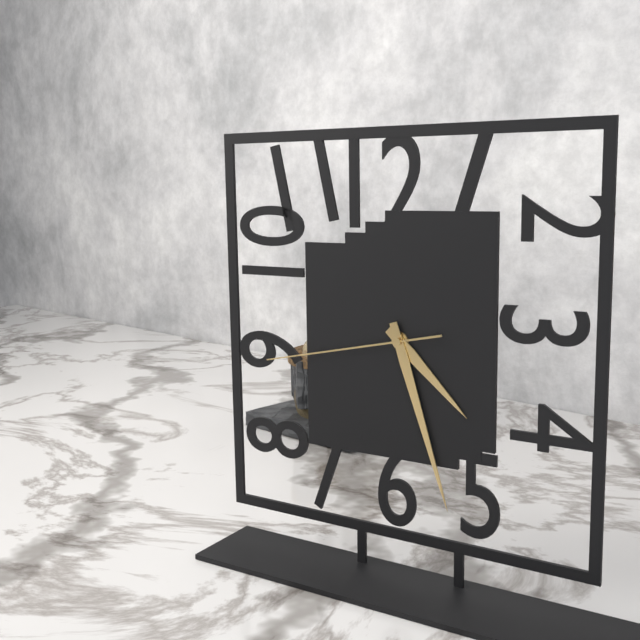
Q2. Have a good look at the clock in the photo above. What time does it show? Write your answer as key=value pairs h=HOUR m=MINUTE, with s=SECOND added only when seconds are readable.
h=4 m=27 s=43
